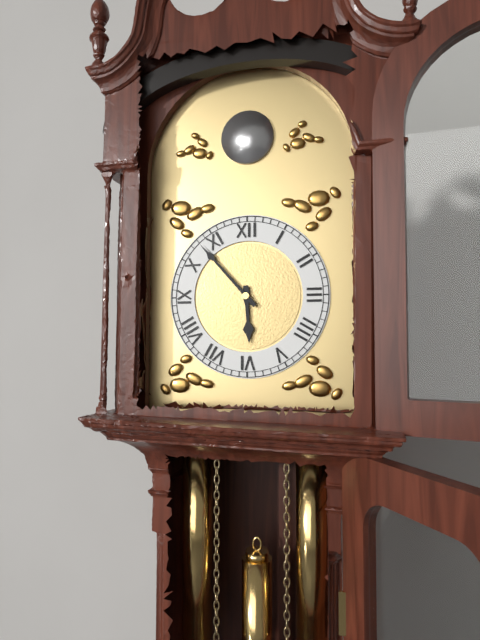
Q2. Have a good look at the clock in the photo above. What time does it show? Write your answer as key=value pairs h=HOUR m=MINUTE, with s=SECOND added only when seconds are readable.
h=5 m=53
